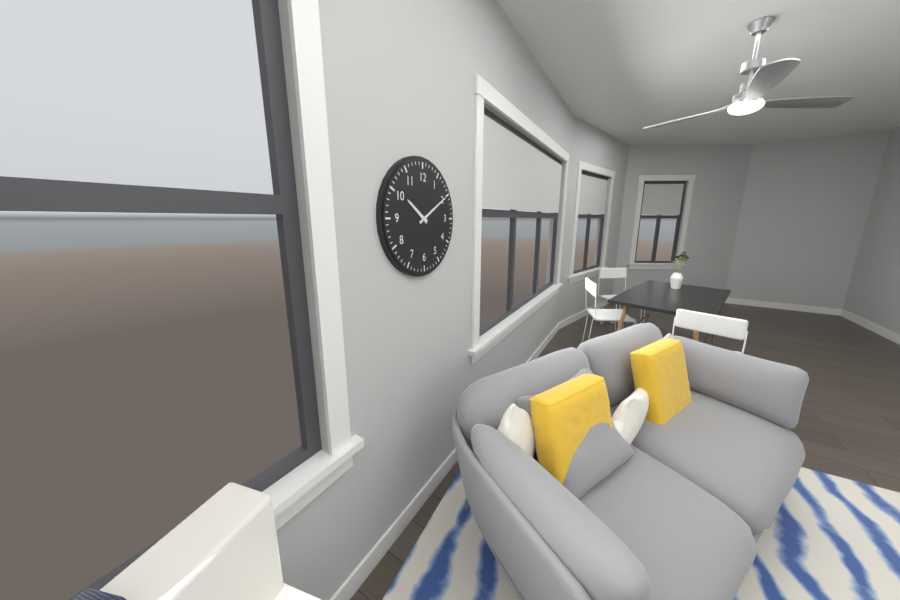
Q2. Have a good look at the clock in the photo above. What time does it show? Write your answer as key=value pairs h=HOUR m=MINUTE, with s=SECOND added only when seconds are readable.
h=10 m=10
